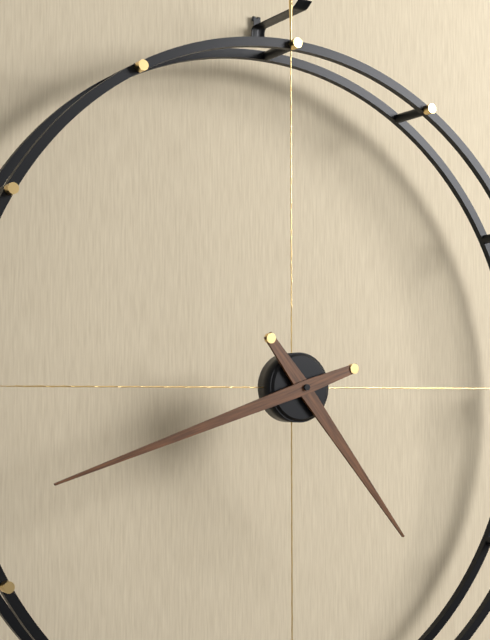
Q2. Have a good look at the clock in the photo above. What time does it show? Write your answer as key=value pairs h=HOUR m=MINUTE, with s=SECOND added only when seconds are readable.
h=4 m=42
